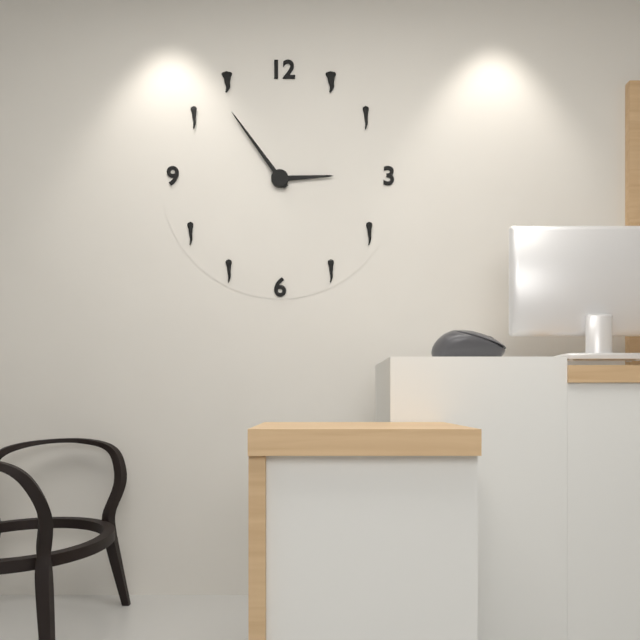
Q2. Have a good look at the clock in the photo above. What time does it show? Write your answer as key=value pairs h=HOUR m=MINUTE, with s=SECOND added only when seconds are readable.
h=2 m=54
